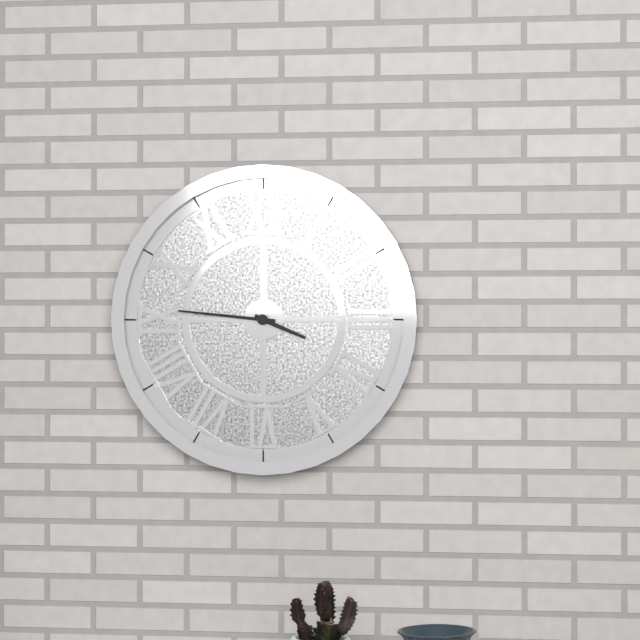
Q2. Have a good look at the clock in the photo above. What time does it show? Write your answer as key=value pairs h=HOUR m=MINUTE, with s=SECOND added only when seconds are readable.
h=3 m=46
